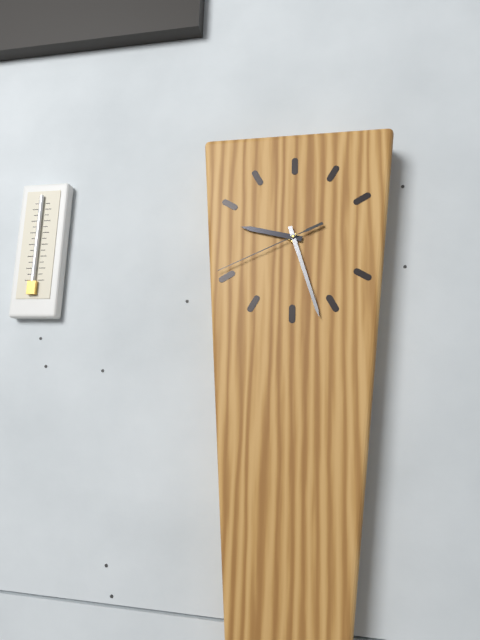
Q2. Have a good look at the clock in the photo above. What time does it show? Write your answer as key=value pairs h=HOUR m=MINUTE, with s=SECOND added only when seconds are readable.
h=9 m=27 s=41
